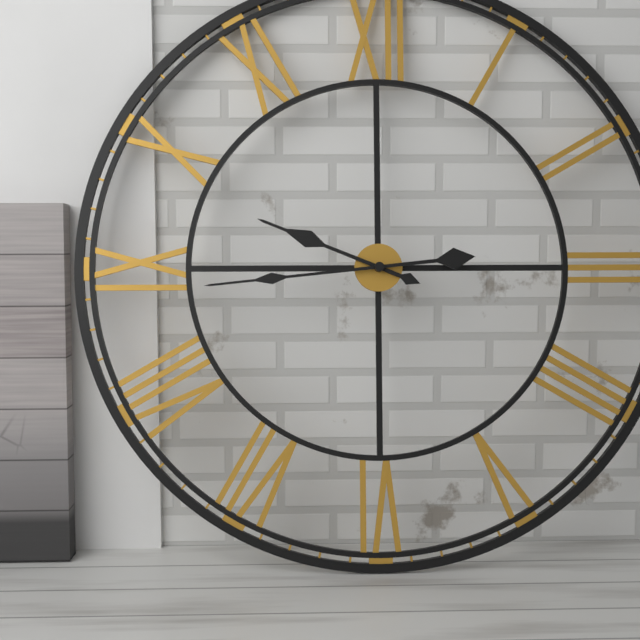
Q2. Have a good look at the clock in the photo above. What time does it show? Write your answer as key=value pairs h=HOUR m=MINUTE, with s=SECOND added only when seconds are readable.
h=9 m=44
